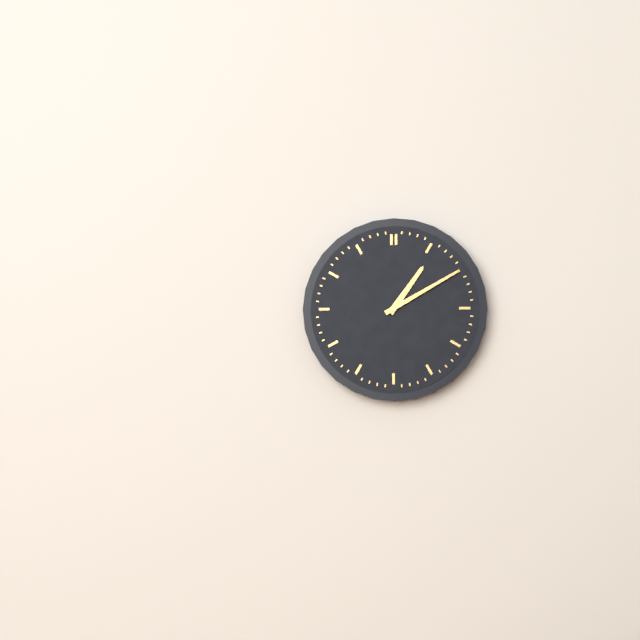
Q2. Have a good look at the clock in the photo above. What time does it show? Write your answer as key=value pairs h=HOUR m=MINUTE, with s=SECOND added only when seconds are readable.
h=1 m=10
